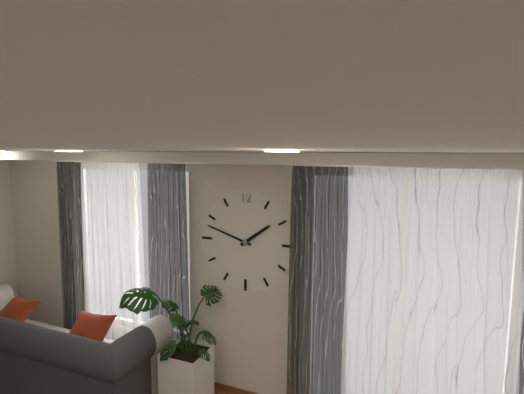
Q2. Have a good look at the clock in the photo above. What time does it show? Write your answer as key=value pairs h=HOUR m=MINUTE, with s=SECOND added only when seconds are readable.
h=1 m=48
